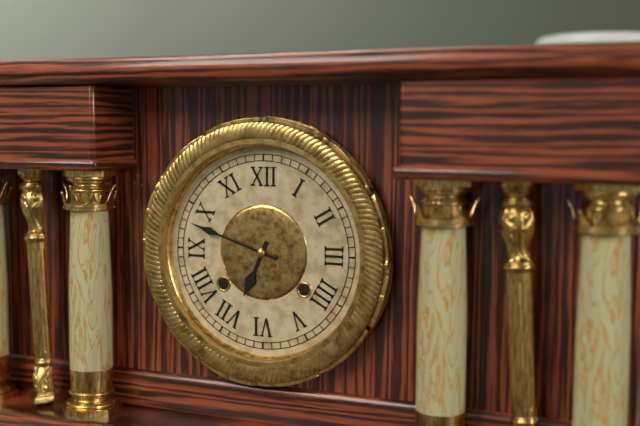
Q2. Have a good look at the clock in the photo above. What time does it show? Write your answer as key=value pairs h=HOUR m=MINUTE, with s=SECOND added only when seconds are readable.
h=6 m=48
